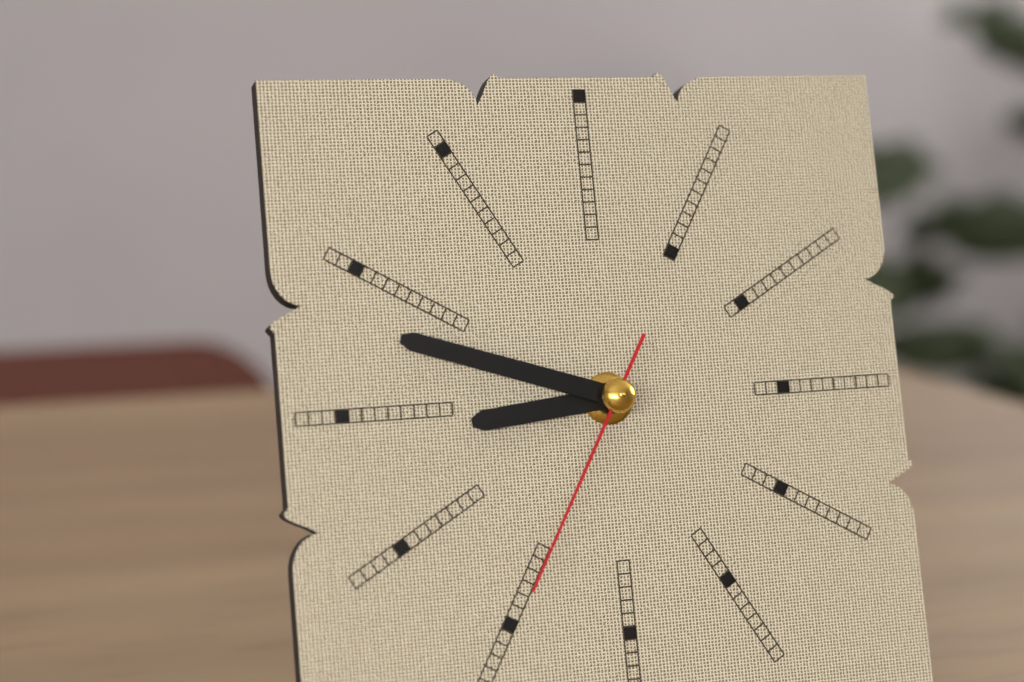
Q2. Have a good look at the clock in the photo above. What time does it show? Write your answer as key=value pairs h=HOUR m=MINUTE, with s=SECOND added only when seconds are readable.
h=8 m=48 s=35
